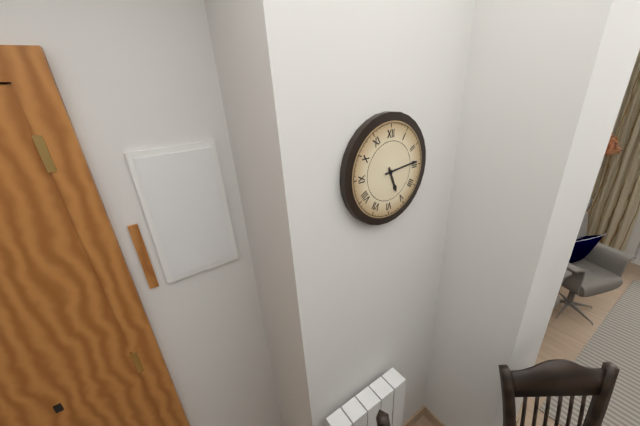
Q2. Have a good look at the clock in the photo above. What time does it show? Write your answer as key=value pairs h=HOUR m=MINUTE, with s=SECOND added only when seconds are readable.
h=5 m=14
